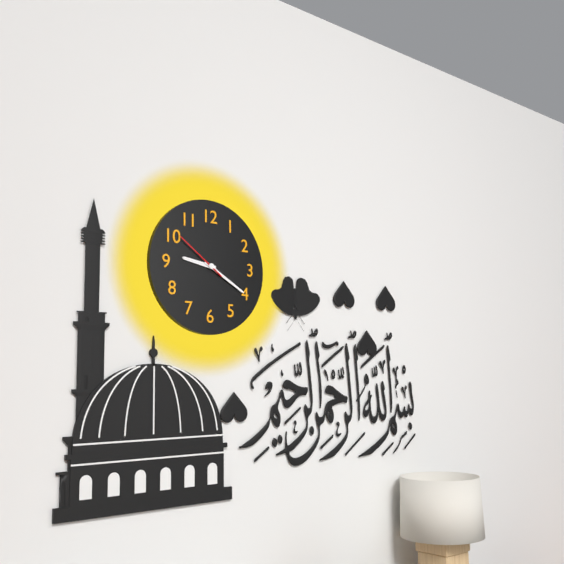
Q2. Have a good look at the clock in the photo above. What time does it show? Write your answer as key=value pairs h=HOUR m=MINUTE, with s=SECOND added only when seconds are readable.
h=9 m=20 s=51
